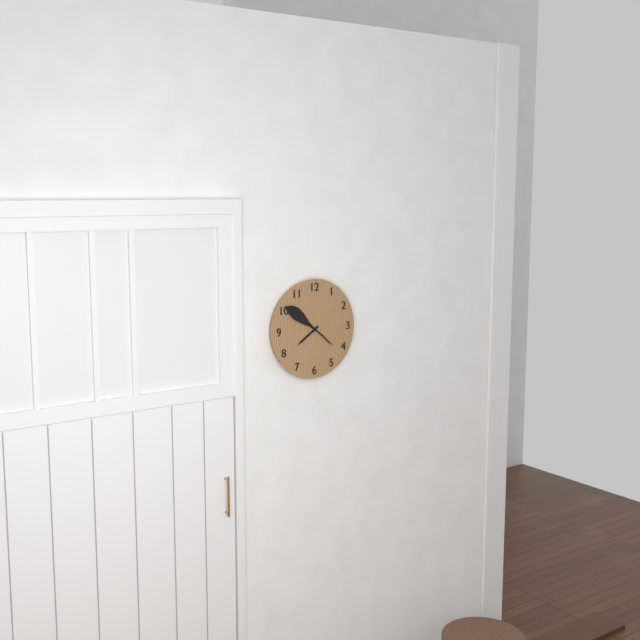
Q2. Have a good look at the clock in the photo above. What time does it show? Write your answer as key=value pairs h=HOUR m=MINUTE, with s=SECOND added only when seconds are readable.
h=7 m=51
